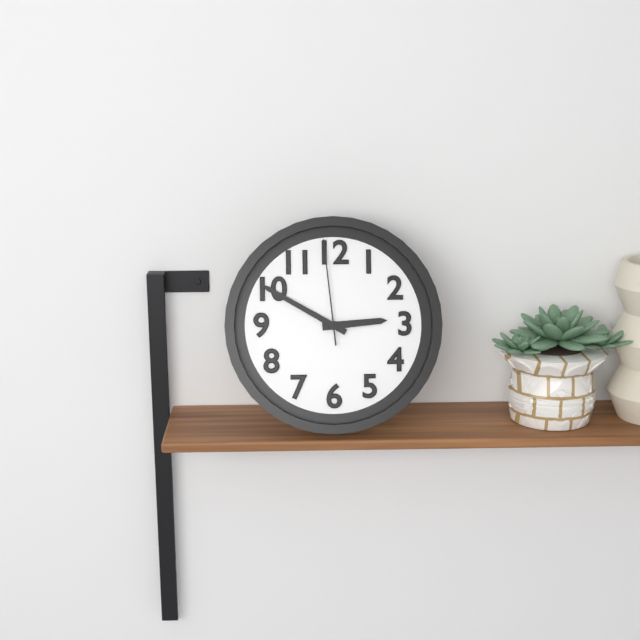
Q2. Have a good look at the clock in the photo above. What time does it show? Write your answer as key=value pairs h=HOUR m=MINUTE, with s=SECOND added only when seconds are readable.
h=2 m=50 s=59
